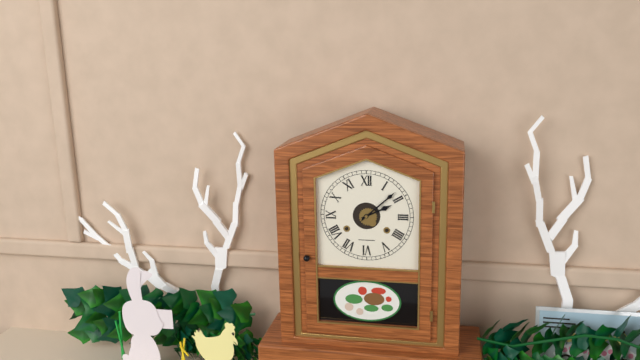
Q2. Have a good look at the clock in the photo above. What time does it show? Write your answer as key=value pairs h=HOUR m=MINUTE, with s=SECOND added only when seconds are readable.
h=2 m=8
